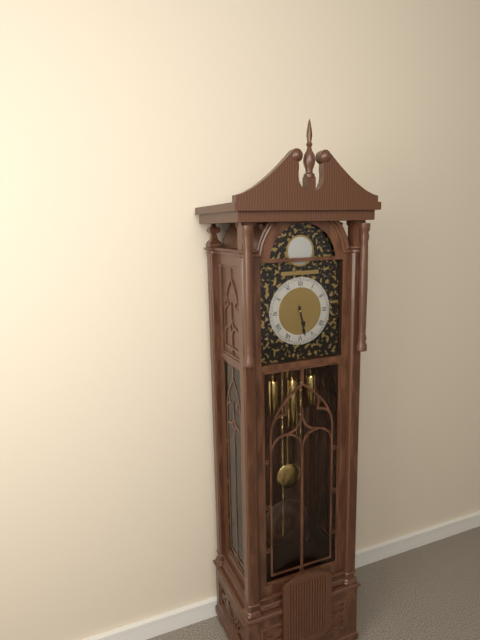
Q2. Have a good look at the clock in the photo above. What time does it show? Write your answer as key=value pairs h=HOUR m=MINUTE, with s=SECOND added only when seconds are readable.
h=5 m=28
